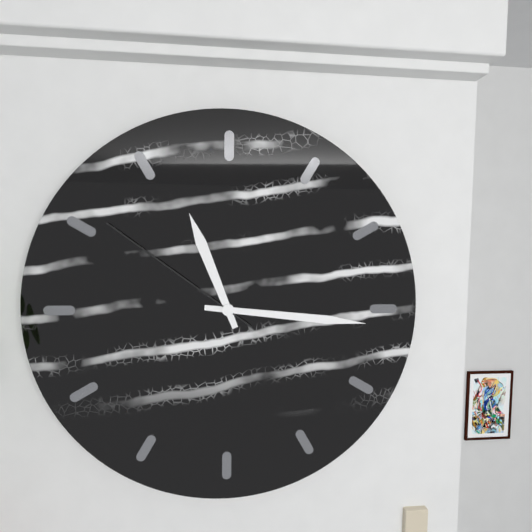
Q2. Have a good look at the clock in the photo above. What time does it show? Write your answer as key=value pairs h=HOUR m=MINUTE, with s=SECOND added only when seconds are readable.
h=11 m=16 s=51
